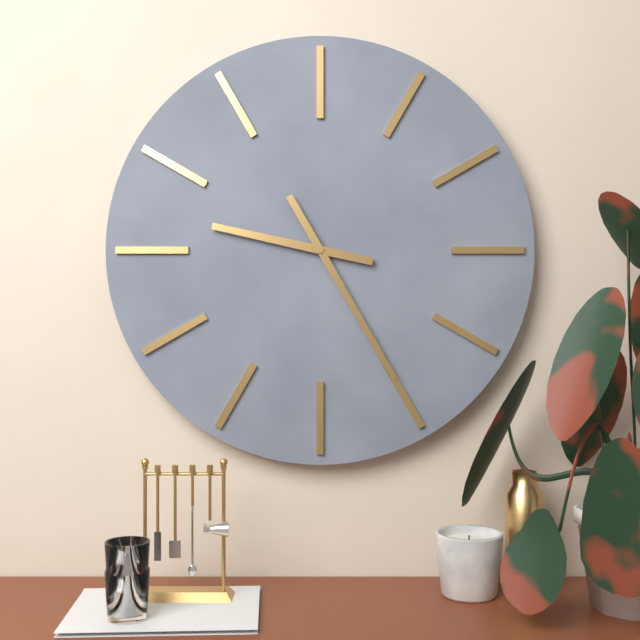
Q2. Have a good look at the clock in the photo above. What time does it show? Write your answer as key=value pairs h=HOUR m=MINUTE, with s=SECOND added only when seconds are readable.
h=9 m=25
